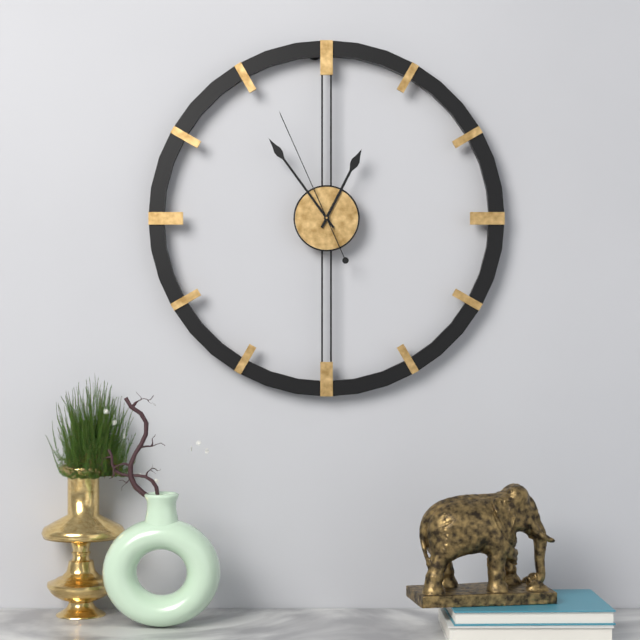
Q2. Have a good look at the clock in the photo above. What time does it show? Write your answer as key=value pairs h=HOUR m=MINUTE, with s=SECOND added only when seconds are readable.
h=12 m=54 s=56
